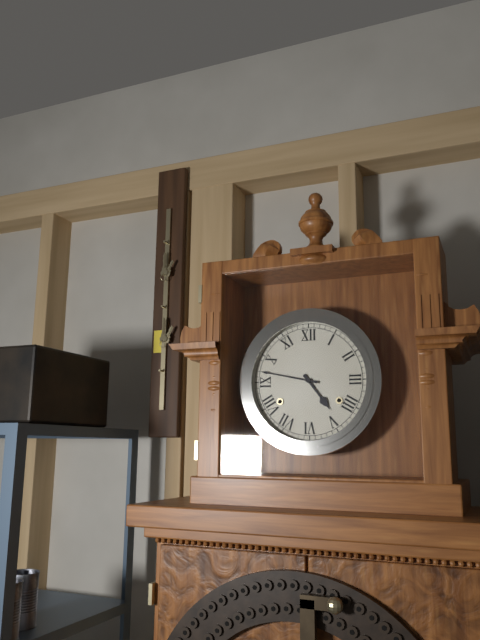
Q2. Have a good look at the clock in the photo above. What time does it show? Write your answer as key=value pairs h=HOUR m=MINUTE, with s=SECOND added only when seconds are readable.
h=4 m=47
